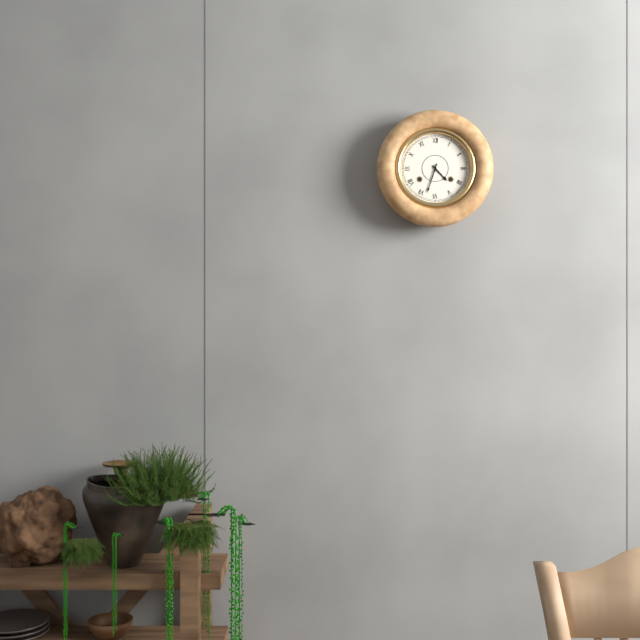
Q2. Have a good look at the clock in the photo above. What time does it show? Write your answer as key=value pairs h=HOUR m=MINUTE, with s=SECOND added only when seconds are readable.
h=4 m=33
